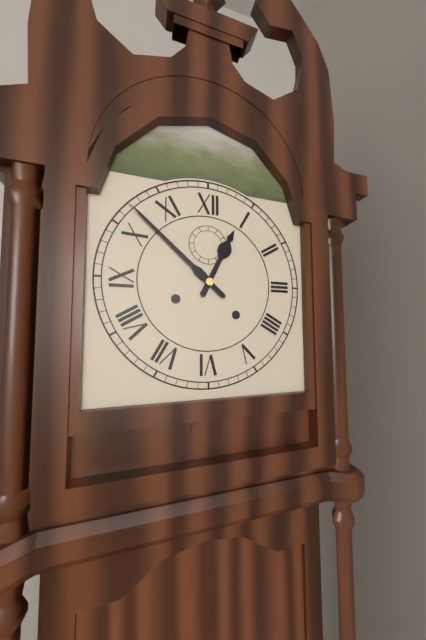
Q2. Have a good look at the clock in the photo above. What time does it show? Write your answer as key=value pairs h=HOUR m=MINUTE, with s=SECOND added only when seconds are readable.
h=12 m=52
